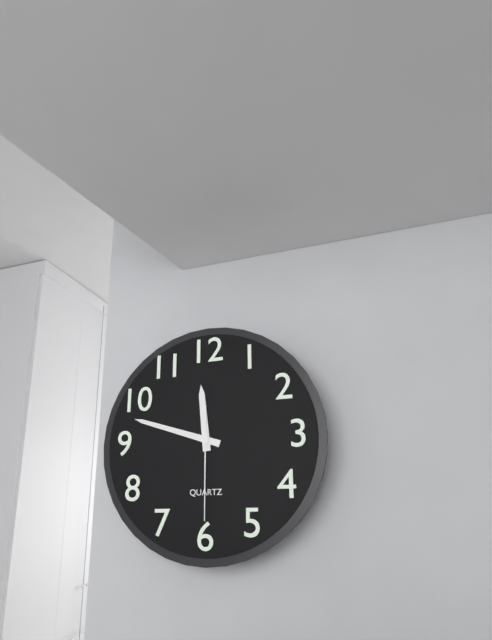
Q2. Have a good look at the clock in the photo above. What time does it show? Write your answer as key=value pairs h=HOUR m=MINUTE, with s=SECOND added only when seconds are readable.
h=11 m=48 s=30
